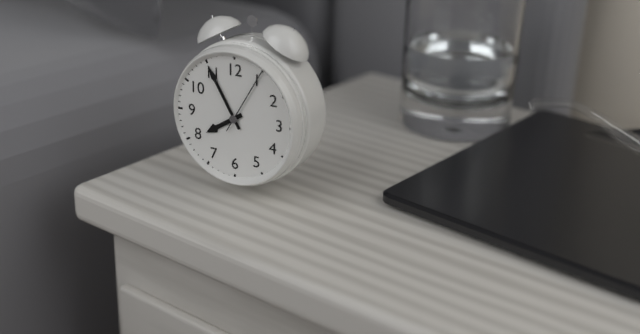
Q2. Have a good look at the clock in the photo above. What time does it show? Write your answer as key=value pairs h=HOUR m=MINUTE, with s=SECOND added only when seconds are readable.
h=7 m=55 s=5
